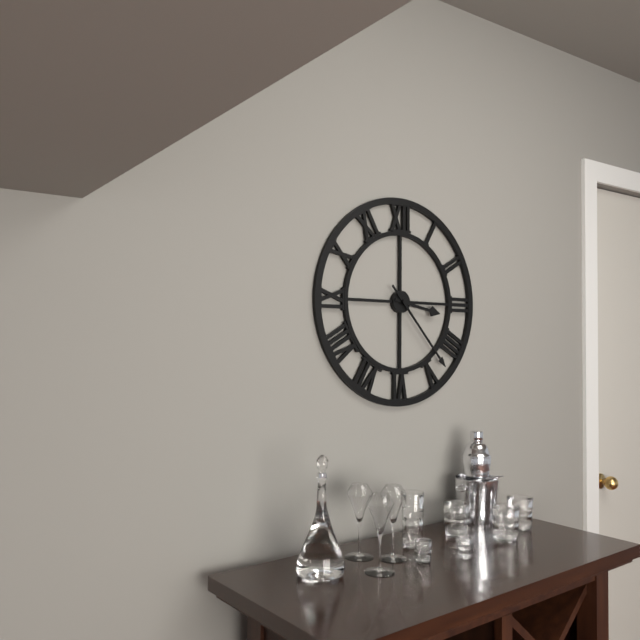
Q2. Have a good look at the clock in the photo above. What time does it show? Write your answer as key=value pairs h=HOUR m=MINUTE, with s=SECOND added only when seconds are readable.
h=3 m=23
